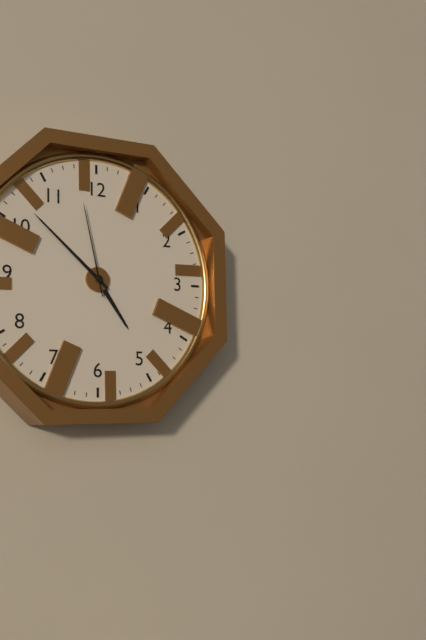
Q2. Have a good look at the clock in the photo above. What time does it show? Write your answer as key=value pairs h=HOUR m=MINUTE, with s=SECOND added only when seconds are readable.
h=4 m=52 s=58
